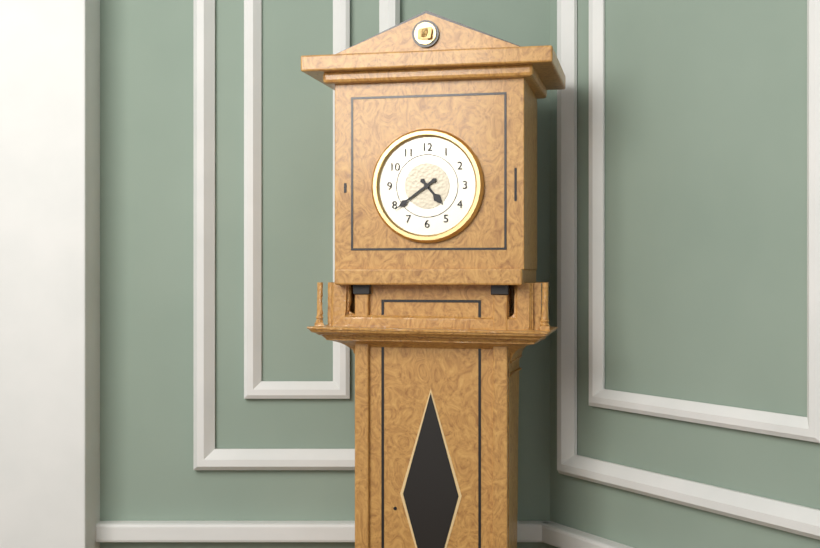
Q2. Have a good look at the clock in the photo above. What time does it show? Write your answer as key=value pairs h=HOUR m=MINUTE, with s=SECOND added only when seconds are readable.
h=4 m=39
